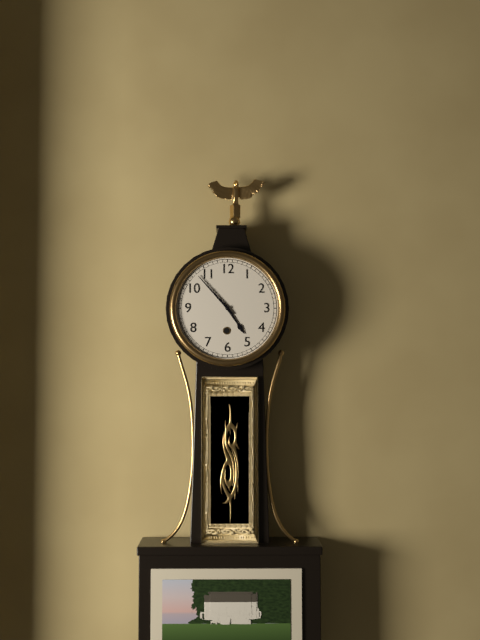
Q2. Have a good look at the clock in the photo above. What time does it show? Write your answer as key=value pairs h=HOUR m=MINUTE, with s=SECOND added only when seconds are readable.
h=4 m=53
